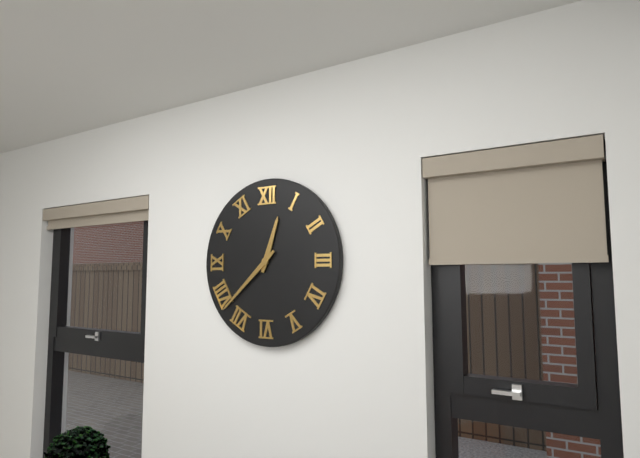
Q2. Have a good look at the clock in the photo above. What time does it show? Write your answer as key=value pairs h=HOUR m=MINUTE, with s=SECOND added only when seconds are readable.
h=12 m=38
